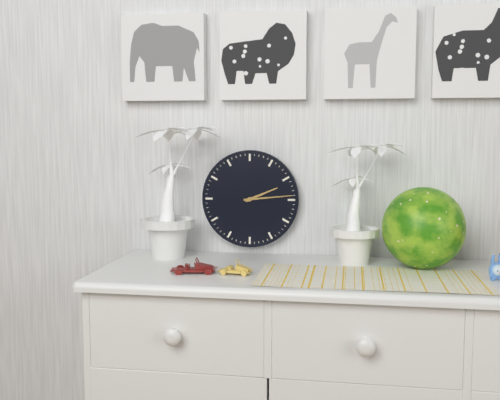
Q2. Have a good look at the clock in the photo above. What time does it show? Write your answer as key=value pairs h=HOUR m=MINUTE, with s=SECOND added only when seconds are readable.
h=2 m=14
